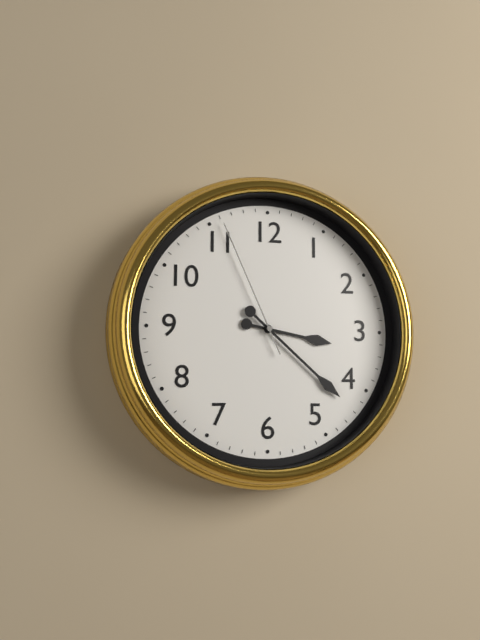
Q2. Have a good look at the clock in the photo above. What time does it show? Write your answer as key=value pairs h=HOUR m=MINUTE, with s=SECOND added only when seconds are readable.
h=3 m=22 s=56
